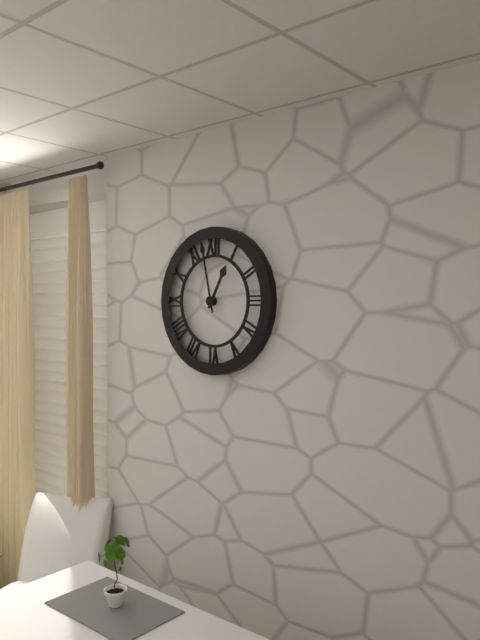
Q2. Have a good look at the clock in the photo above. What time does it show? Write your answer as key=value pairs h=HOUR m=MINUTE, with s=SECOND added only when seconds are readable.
h=12 m=58
